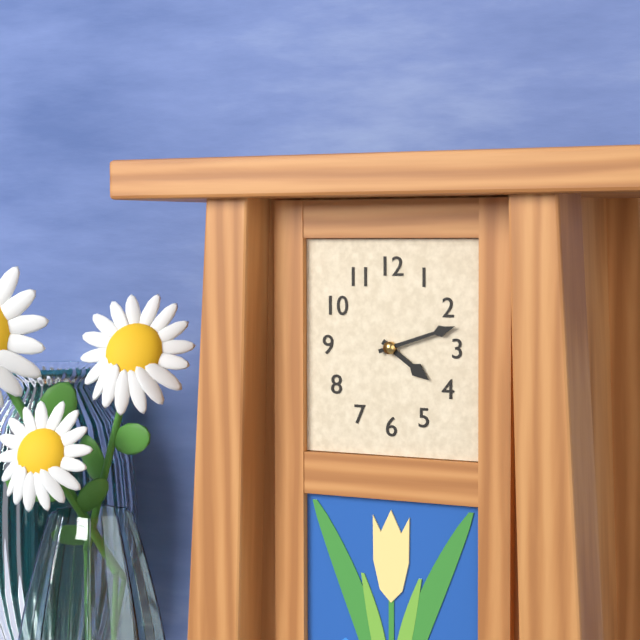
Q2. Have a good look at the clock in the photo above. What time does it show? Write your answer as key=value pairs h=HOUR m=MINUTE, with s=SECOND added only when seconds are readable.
h=4 m=12
